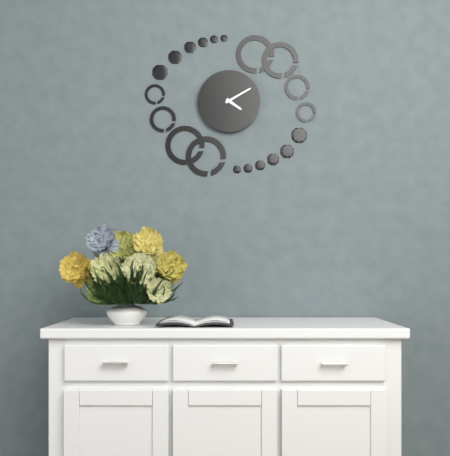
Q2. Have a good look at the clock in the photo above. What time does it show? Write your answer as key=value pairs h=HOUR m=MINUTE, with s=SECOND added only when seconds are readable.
h=4 m=10
